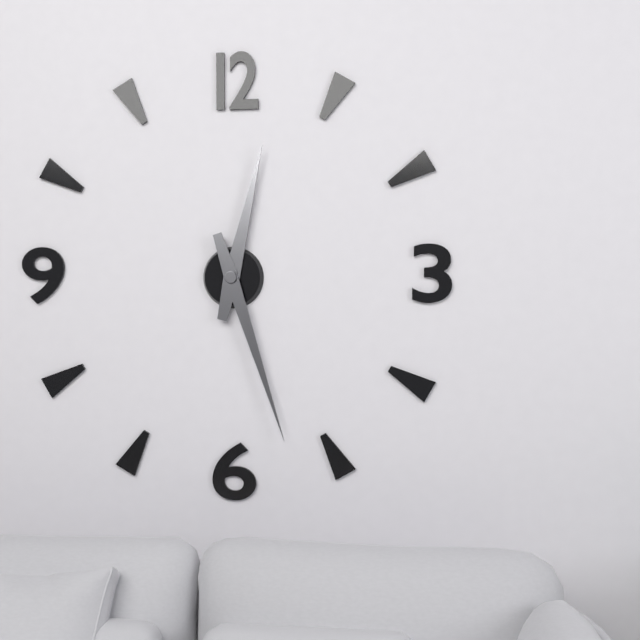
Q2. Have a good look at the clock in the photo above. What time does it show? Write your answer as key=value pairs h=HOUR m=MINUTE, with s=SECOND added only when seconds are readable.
h=12 m=27
